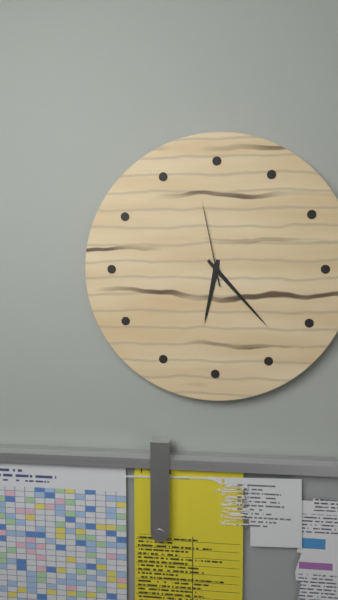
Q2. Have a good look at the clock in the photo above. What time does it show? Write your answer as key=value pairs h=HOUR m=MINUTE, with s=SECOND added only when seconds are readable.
h=6 m=23 s=58
